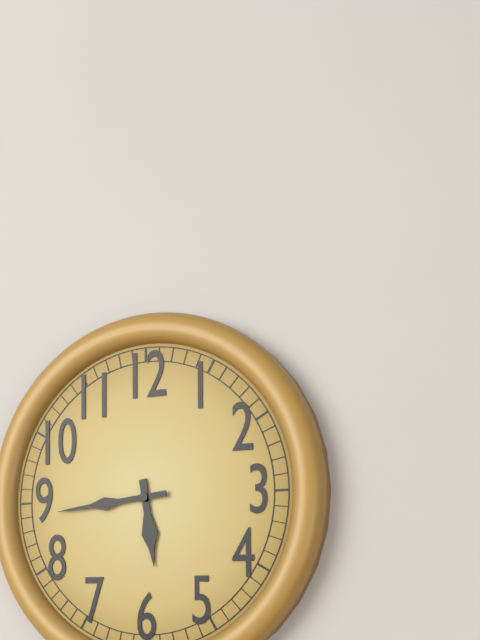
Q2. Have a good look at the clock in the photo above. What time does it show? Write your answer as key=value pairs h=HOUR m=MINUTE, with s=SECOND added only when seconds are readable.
h=5 m=44
